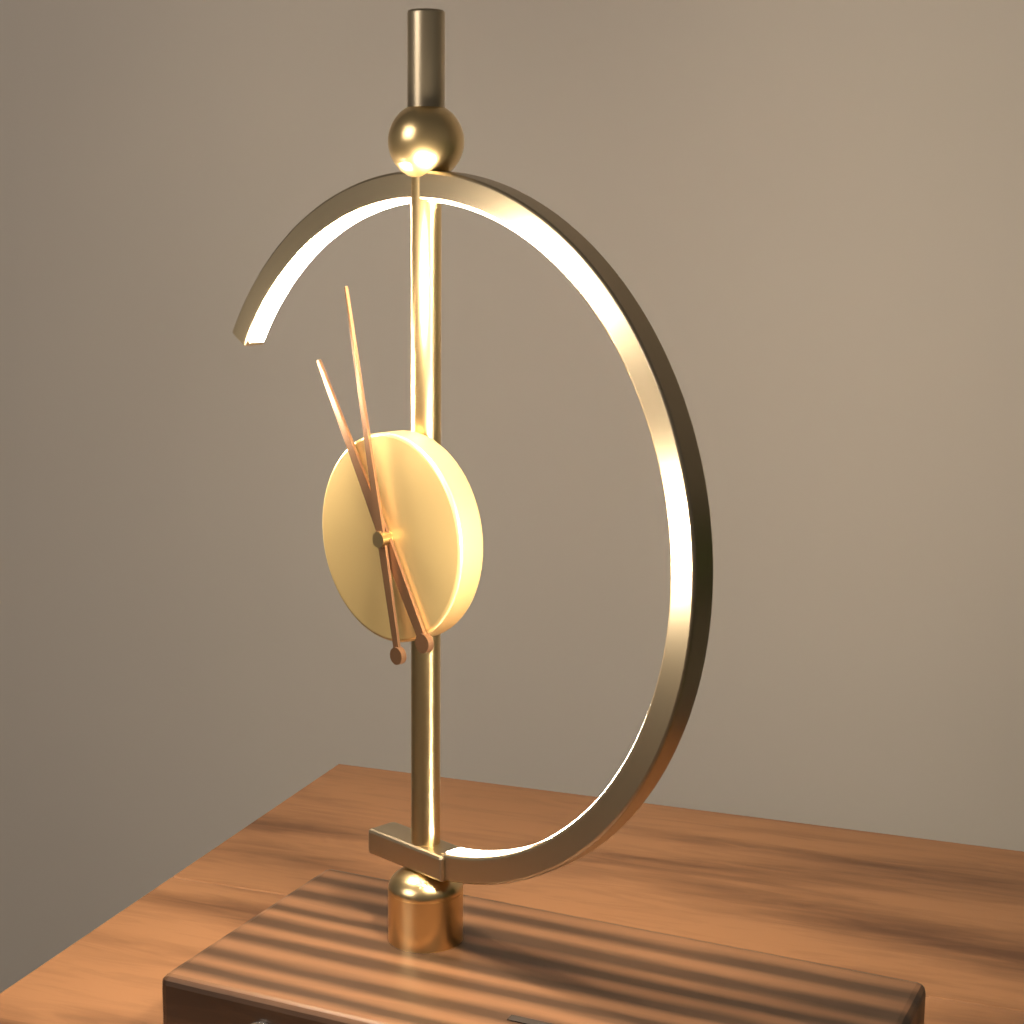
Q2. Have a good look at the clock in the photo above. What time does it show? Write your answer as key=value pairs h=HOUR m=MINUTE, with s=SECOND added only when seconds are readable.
h=10 m=58
